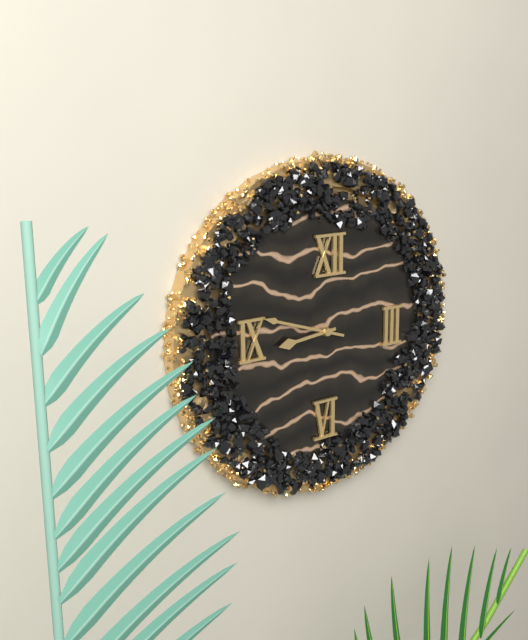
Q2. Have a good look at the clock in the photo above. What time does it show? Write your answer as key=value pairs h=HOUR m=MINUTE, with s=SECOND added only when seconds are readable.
h=8 m=48
